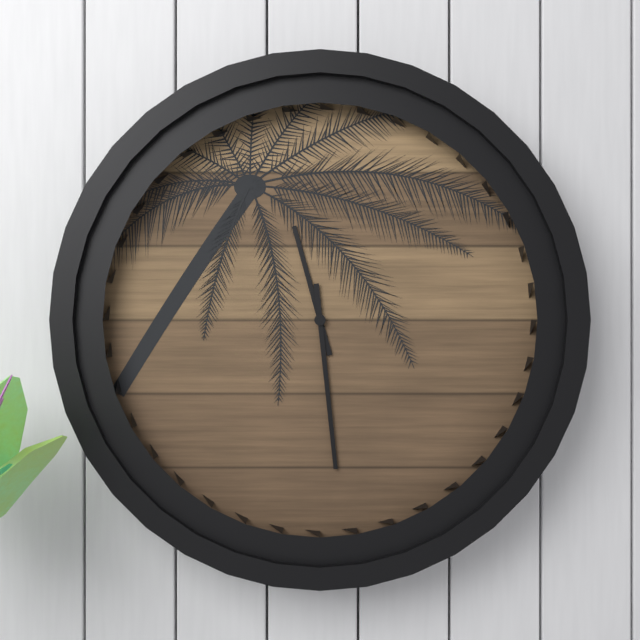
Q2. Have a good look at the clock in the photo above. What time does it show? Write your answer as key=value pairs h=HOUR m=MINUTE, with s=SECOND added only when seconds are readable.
h=11 m=29
